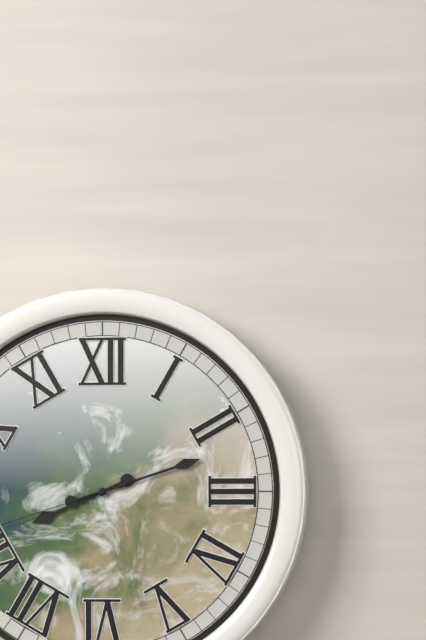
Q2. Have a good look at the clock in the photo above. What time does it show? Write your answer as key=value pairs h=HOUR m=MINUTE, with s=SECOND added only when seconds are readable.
h=8 m=12
